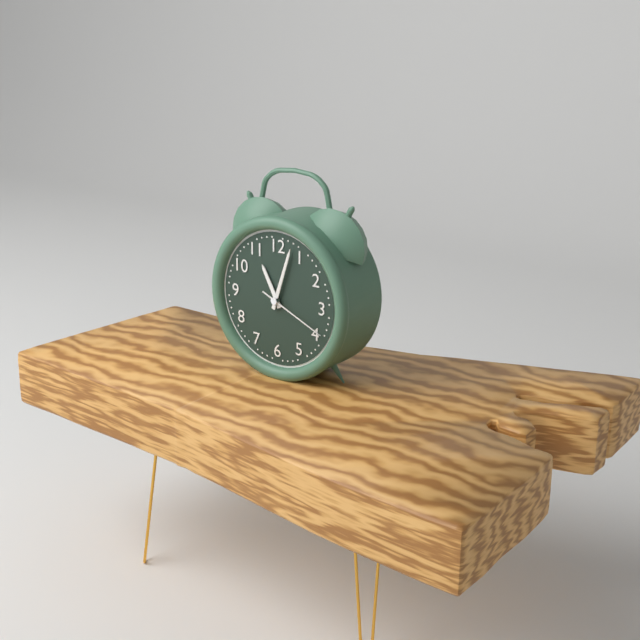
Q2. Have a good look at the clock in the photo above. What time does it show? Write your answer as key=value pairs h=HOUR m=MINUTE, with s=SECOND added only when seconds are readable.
h=11 m=3 s=19
